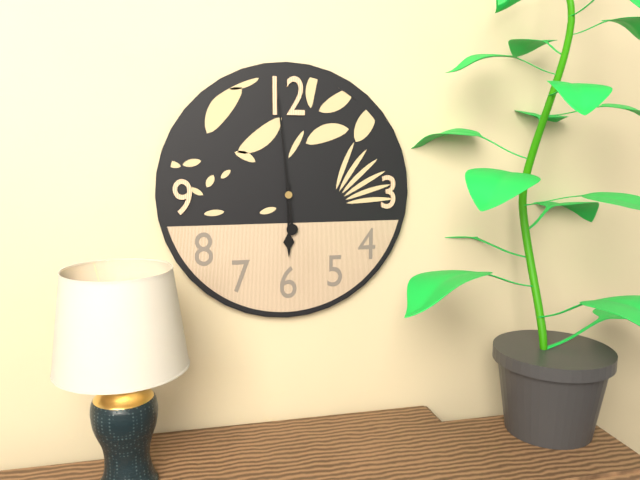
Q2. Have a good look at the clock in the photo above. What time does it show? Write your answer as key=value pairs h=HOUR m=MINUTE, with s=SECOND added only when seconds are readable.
h=5 m=59
